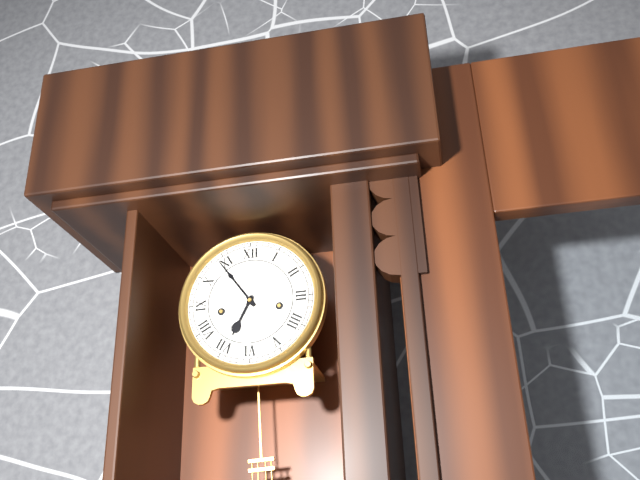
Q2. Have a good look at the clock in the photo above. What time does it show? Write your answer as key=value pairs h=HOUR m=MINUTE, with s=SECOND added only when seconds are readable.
h=6 m=54
